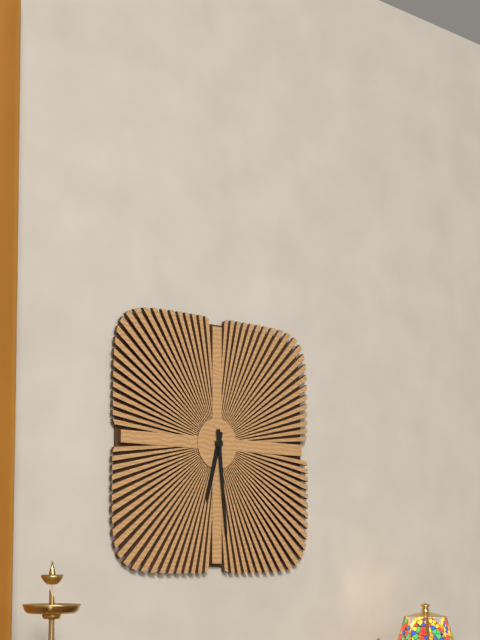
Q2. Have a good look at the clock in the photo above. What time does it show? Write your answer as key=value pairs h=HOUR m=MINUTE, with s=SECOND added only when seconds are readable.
h=6 m=29
